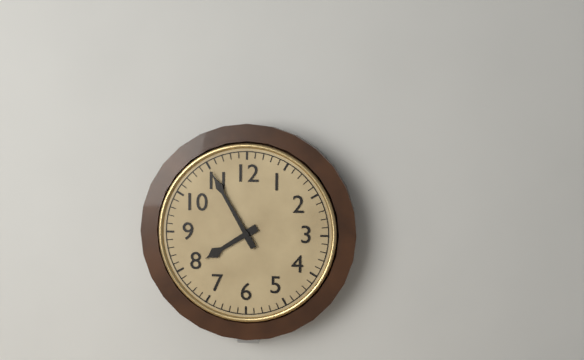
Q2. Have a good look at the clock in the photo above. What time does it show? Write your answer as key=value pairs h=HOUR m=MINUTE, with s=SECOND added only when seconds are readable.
h=7 m=55
